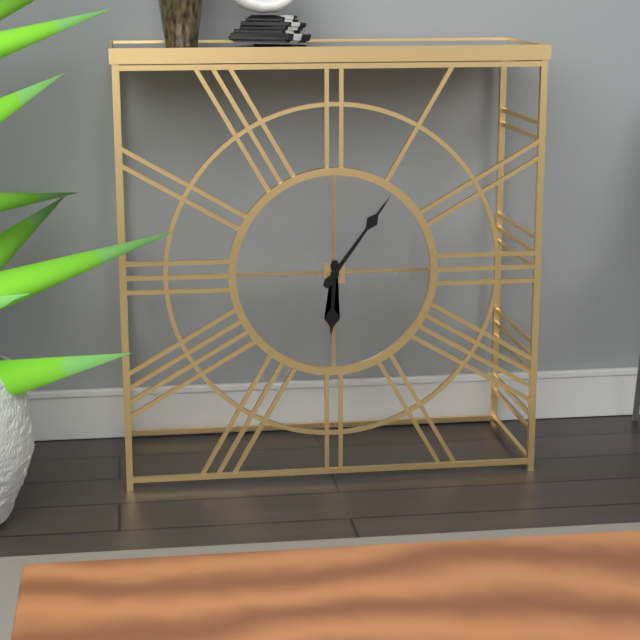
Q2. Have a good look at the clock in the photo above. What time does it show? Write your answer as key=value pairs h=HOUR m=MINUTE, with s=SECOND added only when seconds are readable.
h=6 m=6
